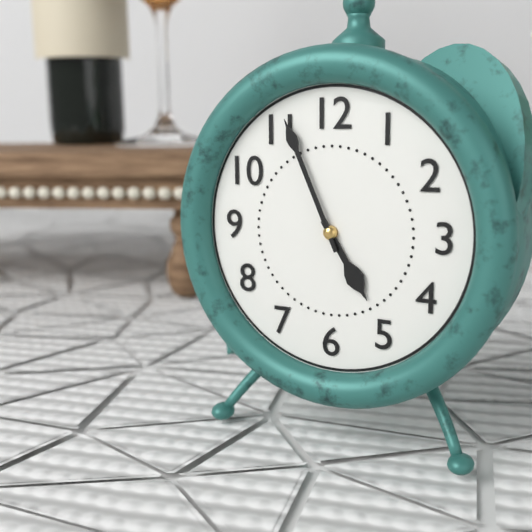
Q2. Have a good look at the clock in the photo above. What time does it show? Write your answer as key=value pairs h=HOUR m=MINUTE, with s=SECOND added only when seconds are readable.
h=4 m=56
